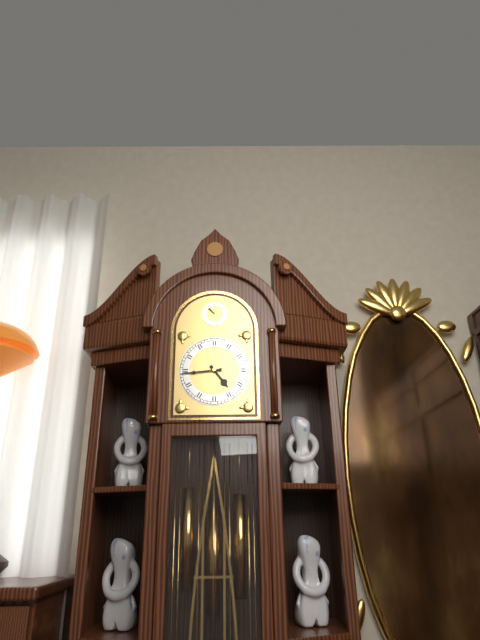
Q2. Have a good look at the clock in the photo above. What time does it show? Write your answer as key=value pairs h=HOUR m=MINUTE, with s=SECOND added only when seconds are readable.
h=4 m=44
